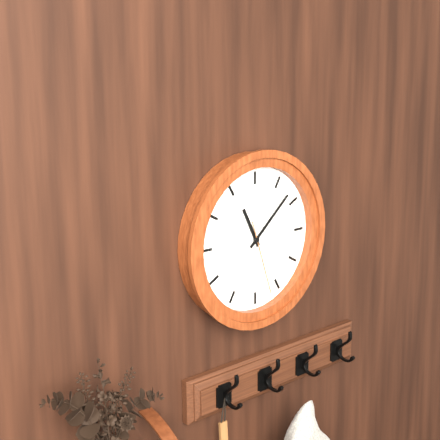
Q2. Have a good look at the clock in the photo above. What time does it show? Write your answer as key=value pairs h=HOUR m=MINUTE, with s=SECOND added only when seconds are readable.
h=11 m=8 s=27
